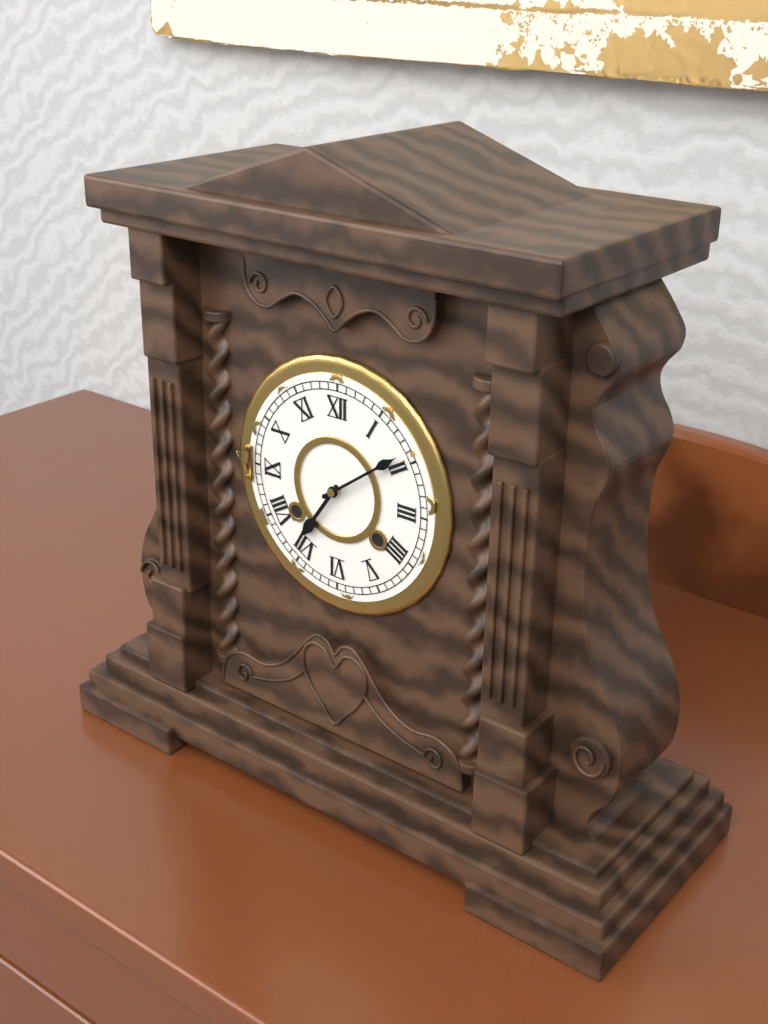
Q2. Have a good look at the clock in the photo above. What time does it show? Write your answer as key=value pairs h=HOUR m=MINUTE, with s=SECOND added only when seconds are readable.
h=7 m=9
